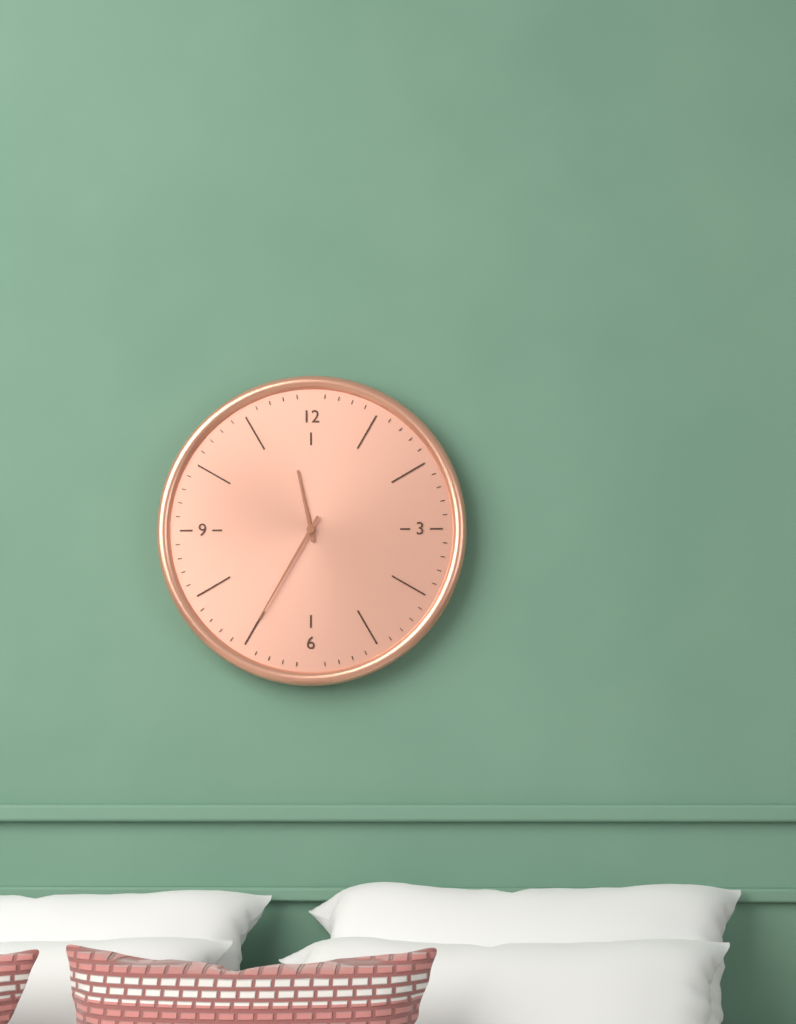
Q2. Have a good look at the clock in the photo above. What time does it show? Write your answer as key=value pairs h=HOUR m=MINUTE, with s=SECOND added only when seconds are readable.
h=11 m=35
